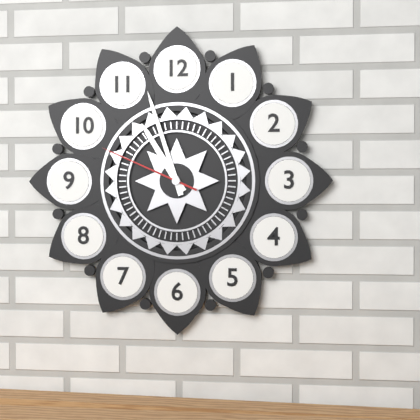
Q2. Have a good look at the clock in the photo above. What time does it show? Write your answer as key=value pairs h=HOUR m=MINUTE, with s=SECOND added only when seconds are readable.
h=10 m=57 s=49
